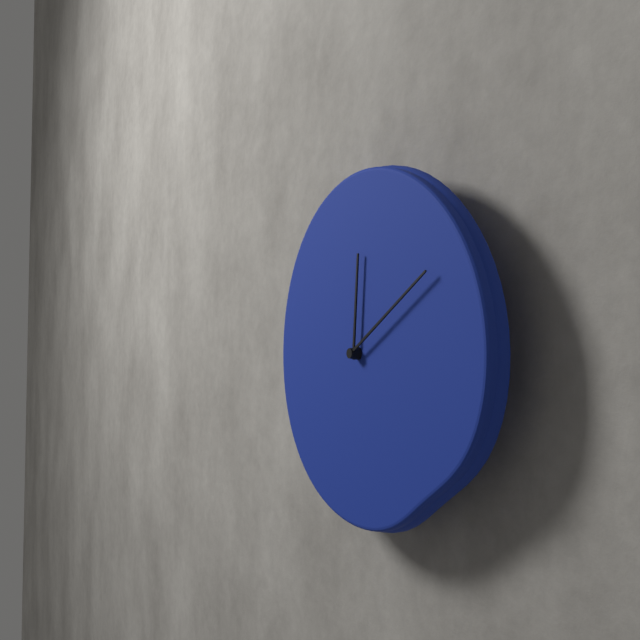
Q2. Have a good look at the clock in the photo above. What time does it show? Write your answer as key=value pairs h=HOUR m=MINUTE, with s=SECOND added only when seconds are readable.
h=12 m=10
